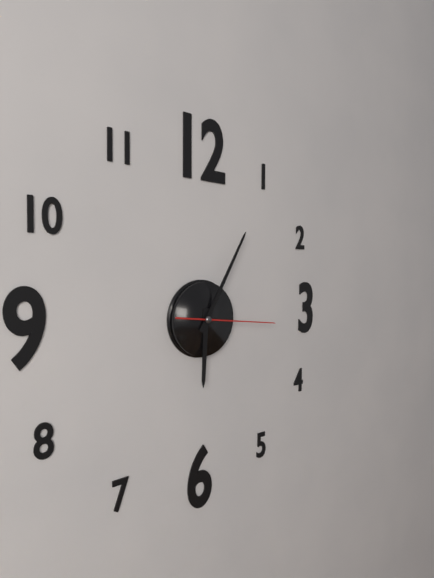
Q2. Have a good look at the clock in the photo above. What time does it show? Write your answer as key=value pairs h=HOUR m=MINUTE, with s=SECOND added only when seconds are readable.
h=6 m=5 s=16
